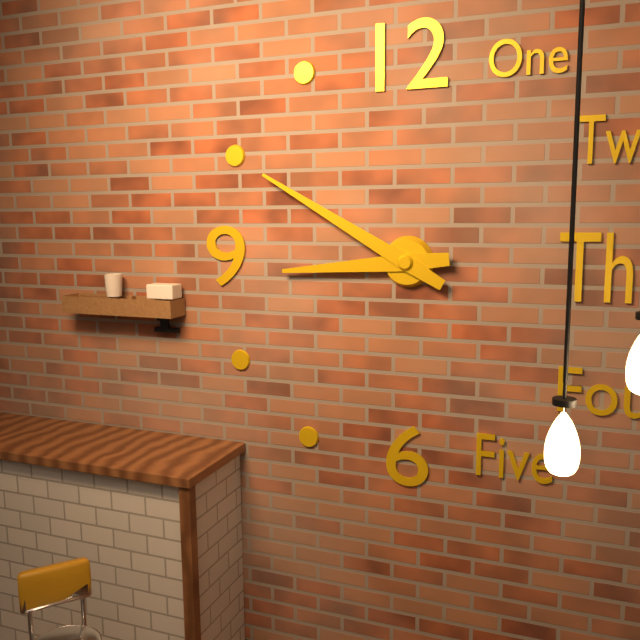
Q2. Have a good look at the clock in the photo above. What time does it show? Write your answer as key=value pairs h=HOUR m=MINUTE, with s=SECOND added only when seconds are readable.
h=8 m=50
